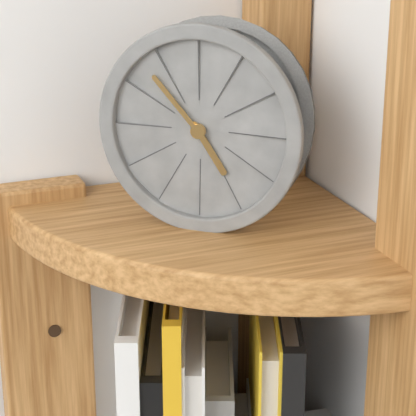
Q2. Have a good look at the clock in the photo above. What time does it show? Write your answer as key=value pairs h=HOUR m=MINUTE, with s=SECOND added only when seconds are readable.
h=4 m=53
